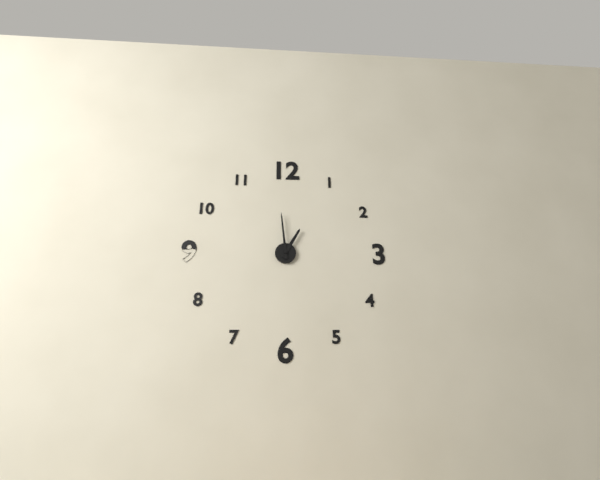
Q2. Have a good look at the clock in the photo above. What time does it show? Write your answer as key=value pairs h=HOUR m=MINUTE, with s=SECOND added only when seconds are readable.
h=12 m=59
